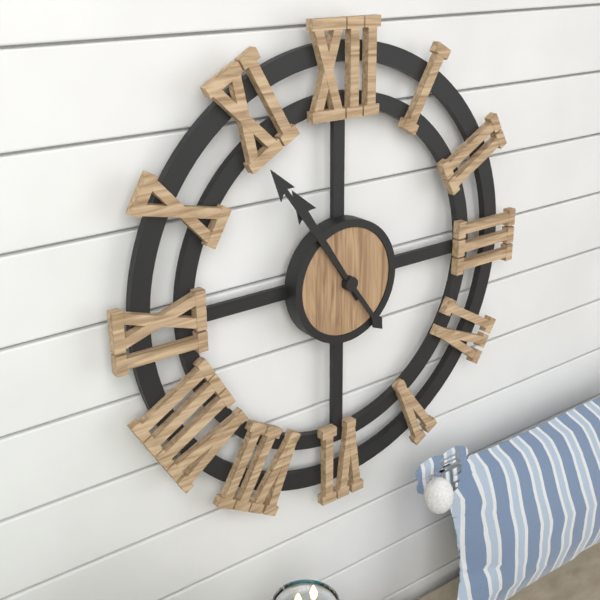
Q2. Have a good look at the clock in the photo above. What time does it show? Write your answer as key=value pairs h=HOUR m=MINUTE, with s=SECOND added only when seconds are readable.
h=10 m=54
